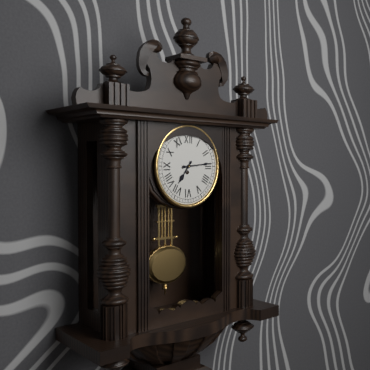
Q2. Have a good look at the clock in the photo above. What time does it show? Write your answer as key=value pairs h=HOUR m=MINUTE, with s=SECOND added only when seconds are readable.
h=7 m=14
